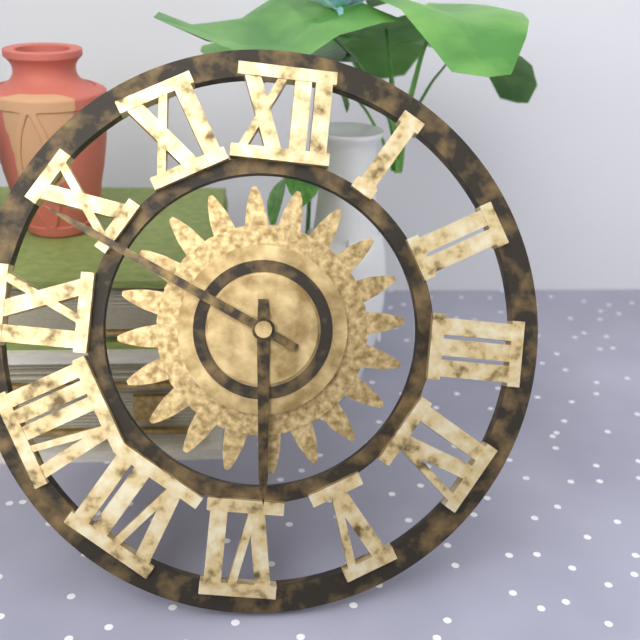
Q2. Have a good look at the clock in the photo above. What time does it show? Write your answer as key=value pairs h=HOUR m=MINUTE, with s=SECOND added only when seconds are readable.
h=5 m=49
